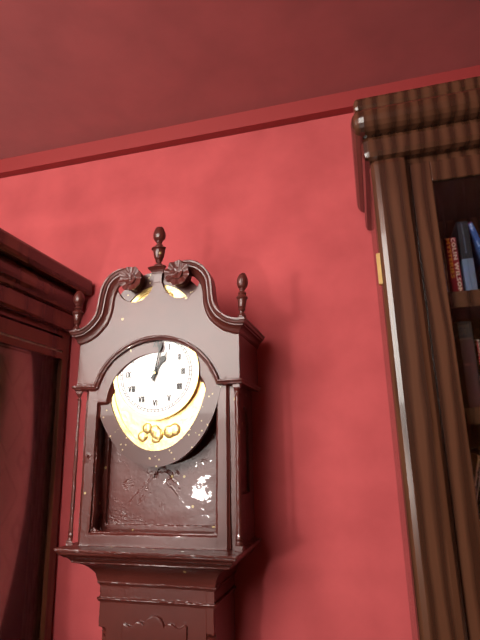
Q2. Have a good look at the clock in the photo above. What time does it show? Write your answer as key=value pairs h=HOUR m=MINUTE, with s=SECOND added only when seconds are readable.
h=1 m=2
